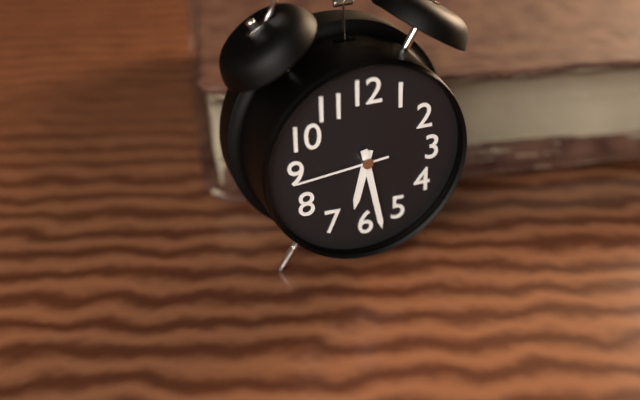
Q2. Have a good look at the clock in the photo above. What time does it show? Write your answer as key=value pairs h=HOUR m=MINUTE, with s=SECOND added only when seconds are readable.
h=6 m=28 s=44
